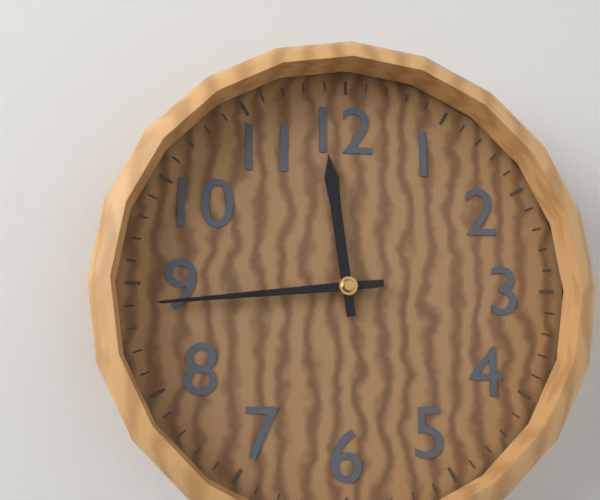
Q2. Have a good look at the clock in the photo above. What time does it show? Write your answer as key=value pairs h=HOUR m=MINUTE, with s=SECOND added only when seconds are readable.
h=11 m=44
